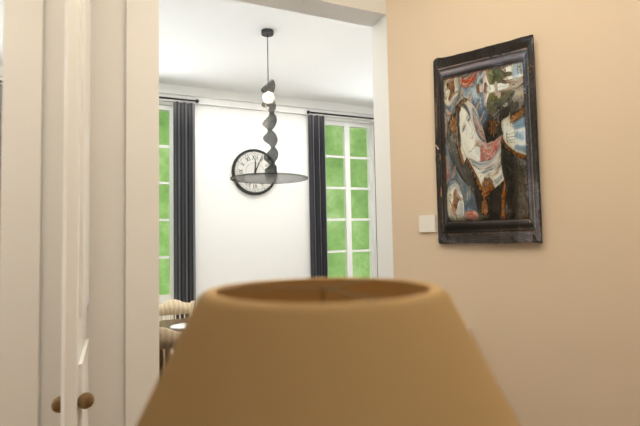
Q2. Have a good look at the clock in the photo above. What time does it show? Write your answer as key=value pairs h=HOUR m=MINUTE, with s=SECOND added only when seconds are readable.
h=12 m=4
